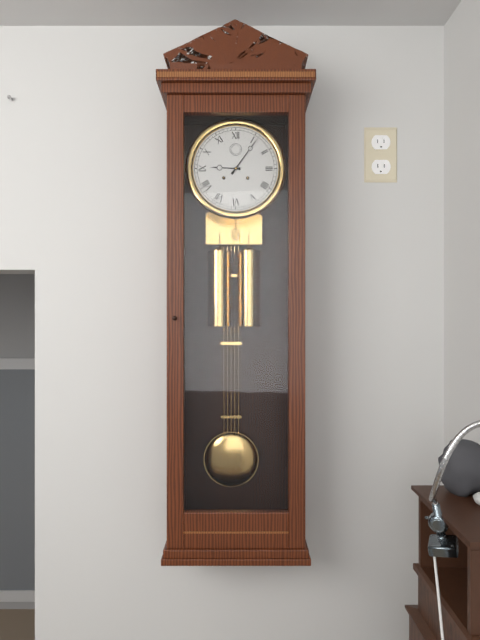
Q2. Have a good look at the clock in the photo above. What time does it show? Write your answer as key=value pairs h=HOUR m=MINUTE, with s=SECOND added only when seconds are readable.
h=9 m=6
